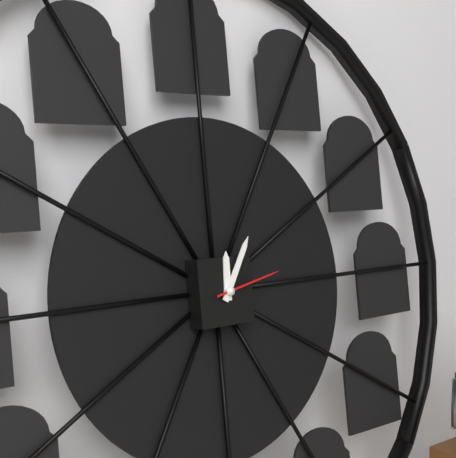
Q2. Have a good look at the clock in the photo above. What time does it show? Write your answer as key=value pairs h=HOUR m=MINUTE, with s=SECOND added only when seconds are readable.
h=12 m=5 s=13
